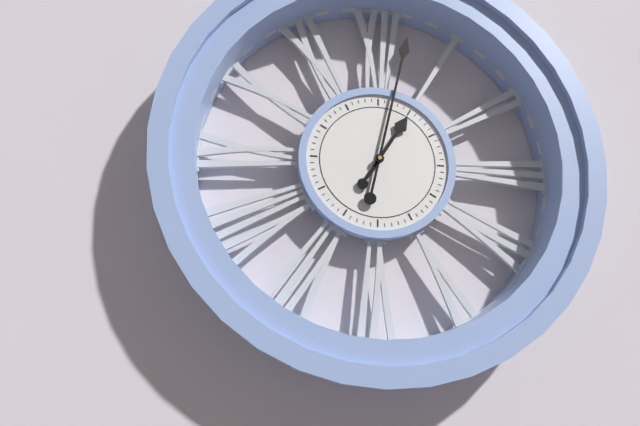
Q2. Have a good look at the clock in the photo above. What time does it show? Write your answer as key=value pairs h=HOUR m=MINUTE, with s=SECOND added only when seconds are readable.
h=1 m=2
